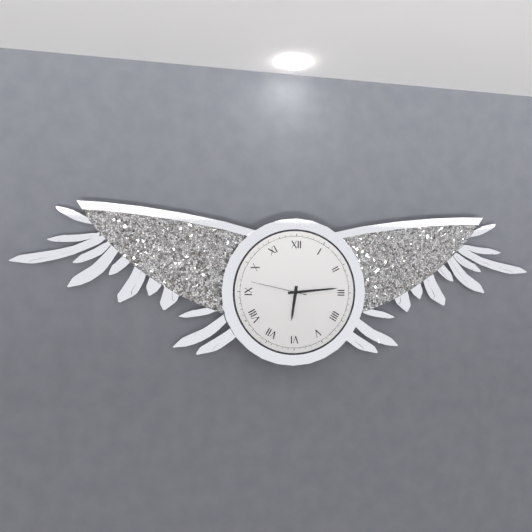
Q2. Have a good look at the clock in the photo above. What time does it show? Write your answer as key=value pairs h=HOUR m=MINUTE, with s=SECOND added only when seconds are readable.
h=6 m=14
